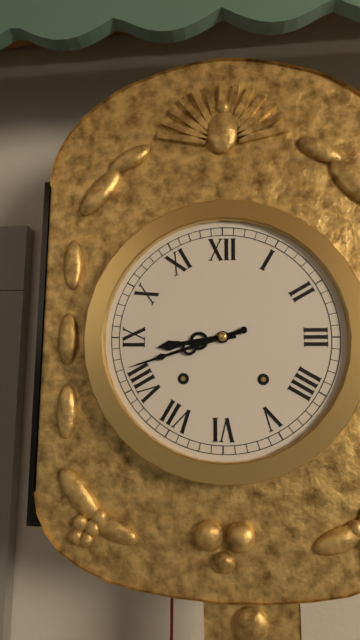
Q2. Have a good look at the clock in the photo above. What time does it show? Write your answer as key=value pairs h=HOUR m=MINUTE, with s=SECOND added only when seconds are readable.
h=8 m=42
